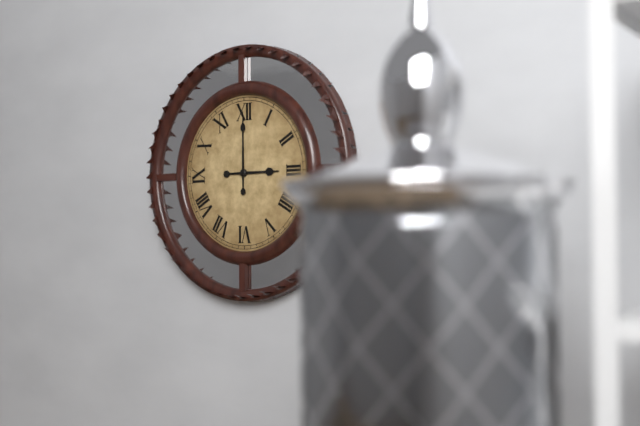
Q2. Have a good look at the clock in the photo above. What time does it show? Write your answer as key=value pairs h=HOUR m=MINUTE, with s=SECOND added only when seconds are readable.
h=3 m=0
